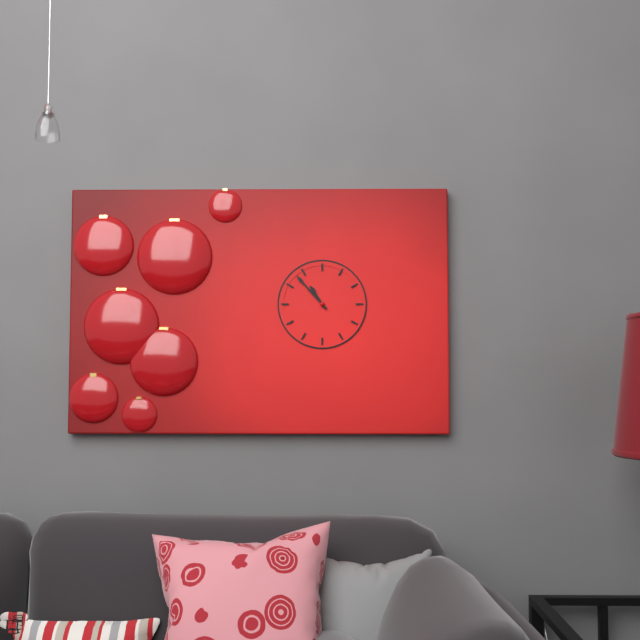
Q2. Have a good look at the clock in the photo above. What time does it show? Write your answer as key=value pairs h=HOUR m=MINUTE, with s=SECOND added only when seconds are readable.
h=10 m=53
